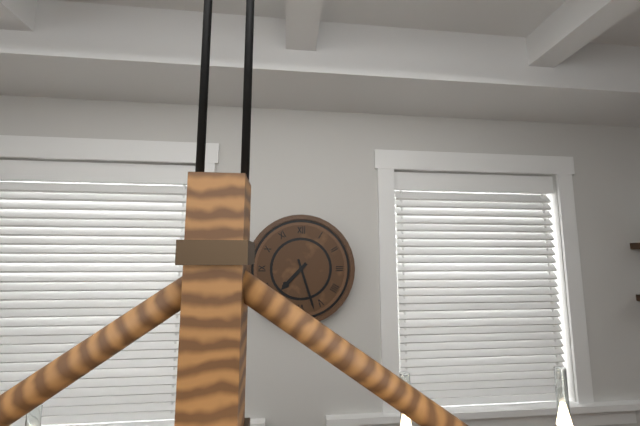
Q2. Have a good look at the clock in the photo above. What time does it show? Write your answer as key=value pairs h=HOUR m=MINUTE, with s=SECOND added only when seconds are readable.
h=7 m=27
